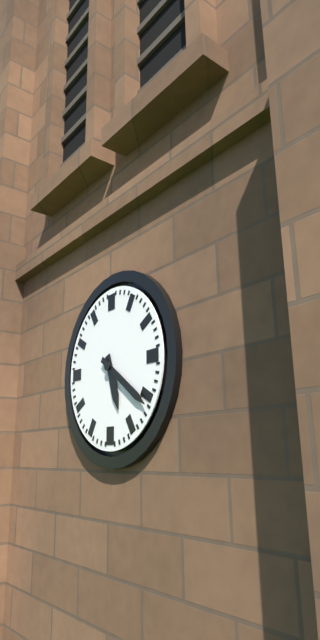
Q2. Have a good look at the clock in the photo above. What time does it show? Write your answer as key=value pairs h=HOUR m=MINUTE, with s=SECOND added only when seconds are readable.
h=5 m=21
